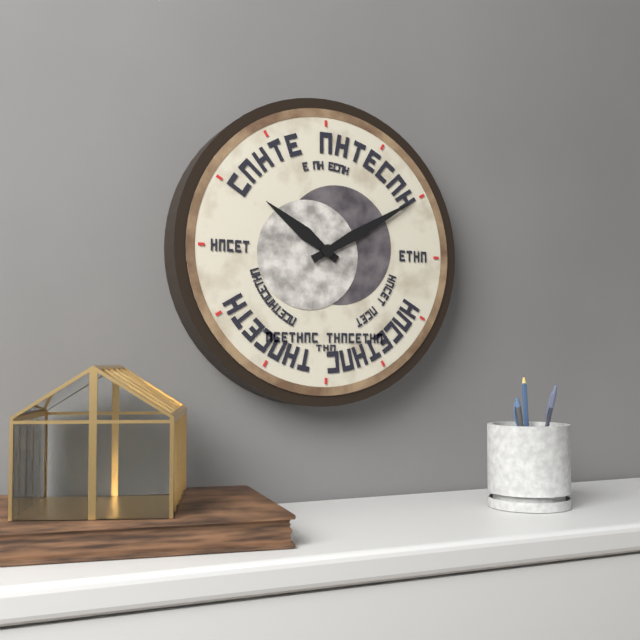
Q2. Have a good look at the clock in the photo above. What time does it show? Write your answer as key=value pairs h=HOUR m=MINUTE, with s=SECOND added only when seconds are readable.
h=10 m=10
